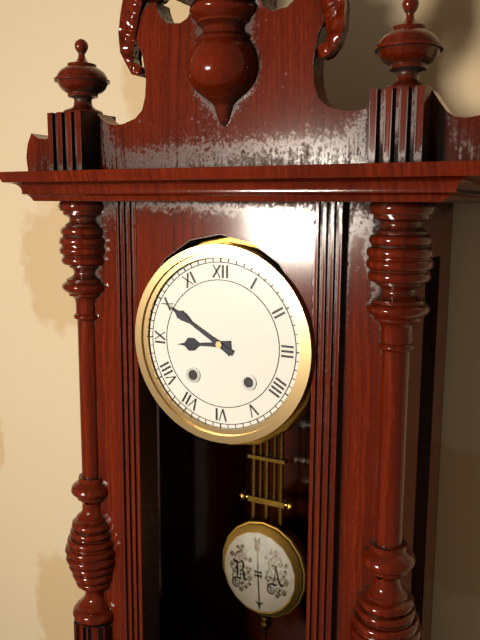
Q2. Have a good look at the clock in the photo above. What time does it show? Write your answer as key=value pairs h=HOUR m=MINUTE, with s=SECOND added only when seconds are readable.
h=8 m=50
